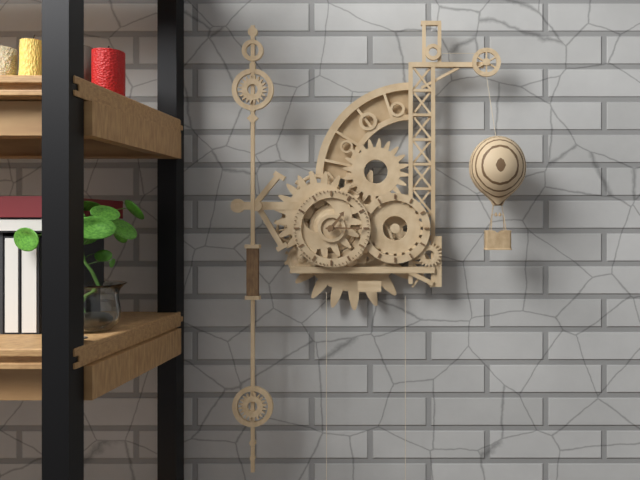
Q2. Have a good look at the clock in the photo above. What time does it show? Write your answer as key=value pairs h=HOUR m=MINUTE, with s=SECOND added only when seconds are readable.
h=1 m=15
